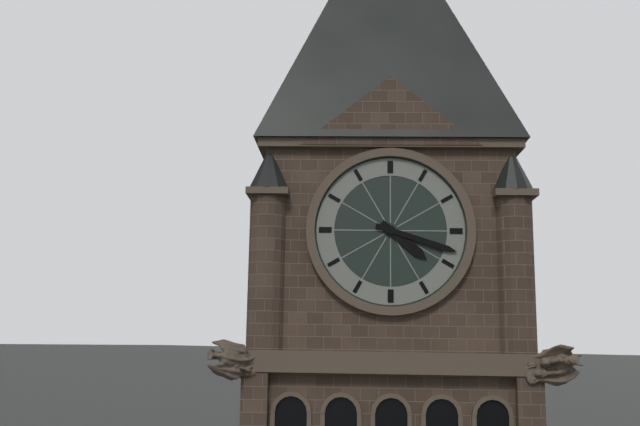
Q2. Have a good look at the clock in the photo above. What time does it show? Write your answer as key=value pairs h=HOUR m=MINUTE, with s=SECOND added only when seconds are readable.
h=4 m=18
